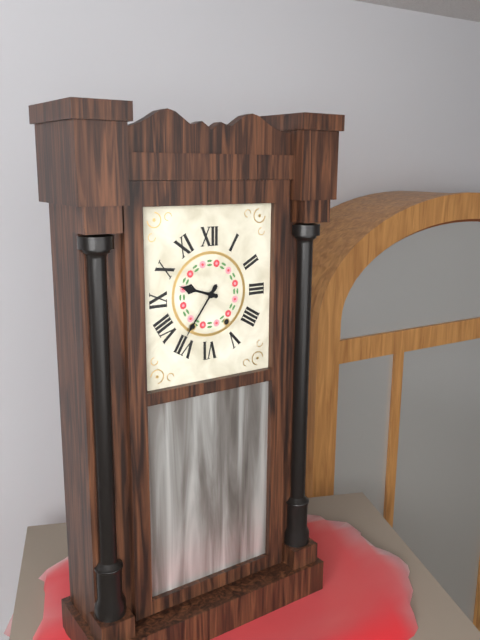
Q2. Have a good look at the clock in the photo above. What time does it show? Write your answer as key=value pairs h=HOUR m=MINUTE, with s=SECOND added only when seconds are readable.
h=9 m=36
